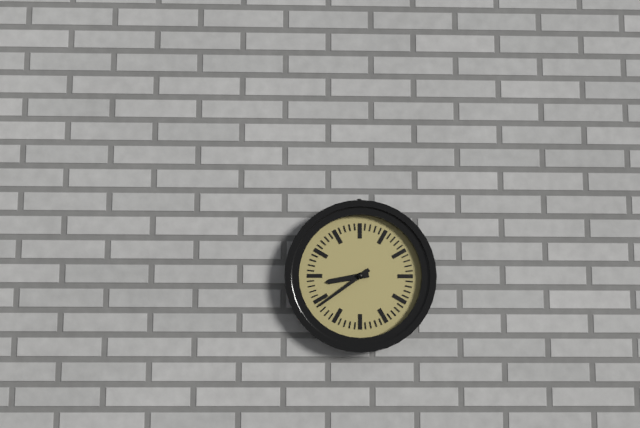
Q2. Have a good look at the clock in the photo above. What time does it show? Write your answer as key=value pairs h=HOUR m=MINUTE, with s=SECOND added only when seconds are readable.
h=8 m=39
